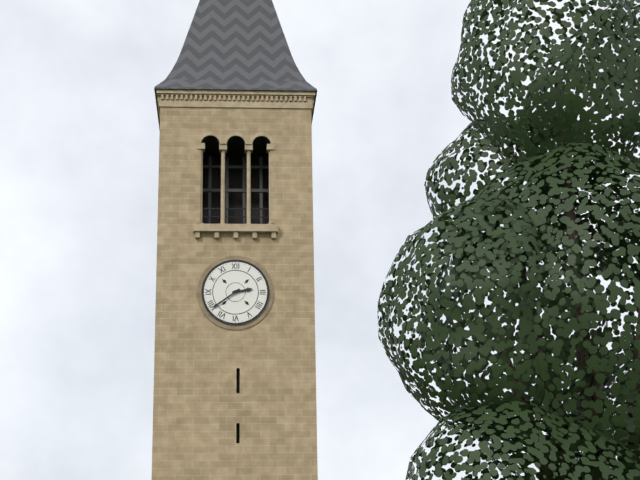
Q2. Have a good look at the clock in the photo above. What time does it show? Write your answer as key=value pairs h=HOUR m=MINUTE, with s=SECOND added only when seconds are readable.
h=2 m=39
